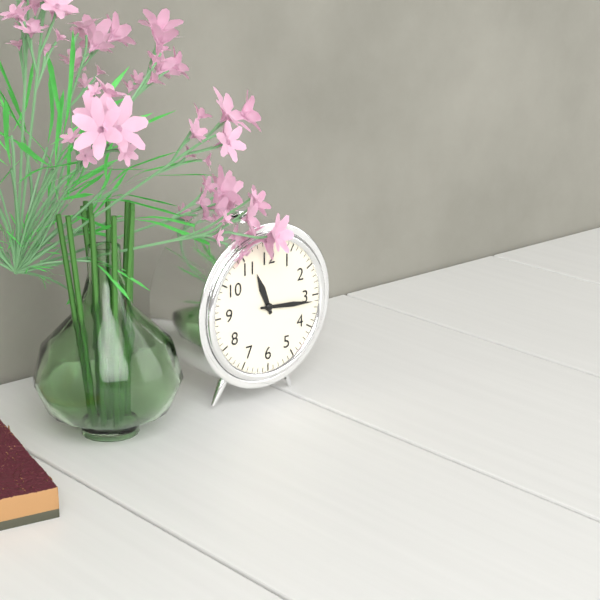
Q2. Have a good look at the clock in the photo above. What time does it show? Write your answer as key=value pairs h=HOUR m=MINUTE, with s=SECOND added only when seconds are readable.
h=11 m=16
